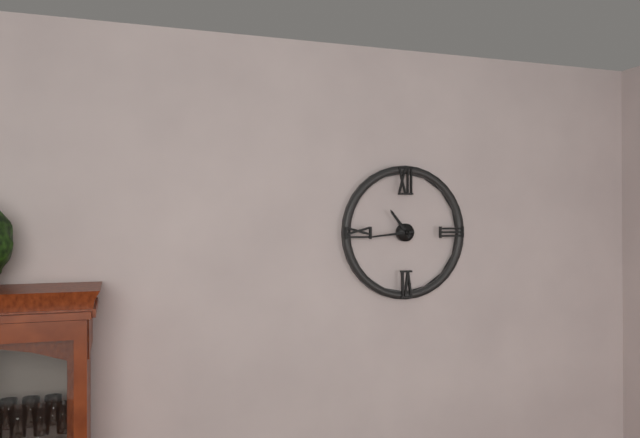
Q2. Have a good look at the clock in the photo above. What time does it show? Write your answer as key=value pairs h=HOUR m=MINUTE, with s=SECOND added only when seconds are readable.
h=10 m=44
